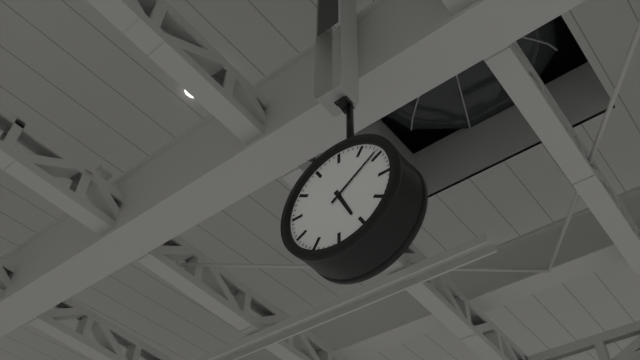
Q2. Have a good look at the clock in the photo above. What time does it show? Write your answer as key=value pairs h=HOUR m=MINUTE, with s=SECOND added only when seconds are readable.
h=5 m=9
